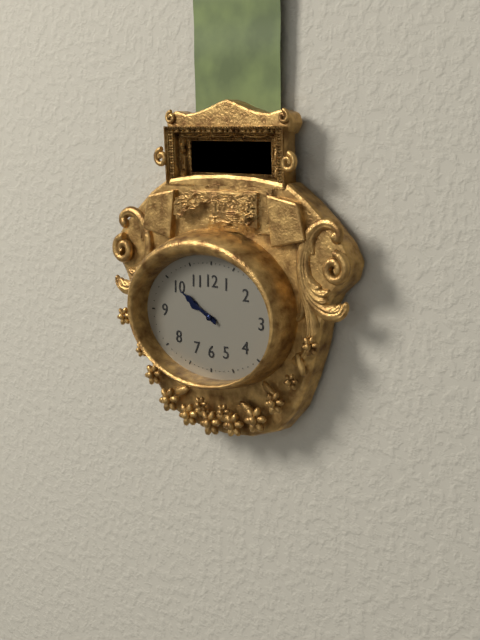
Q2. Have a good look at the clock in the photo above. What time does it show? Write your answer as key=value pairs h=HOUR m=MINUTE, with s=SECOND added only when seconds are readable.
h=9 m=50
